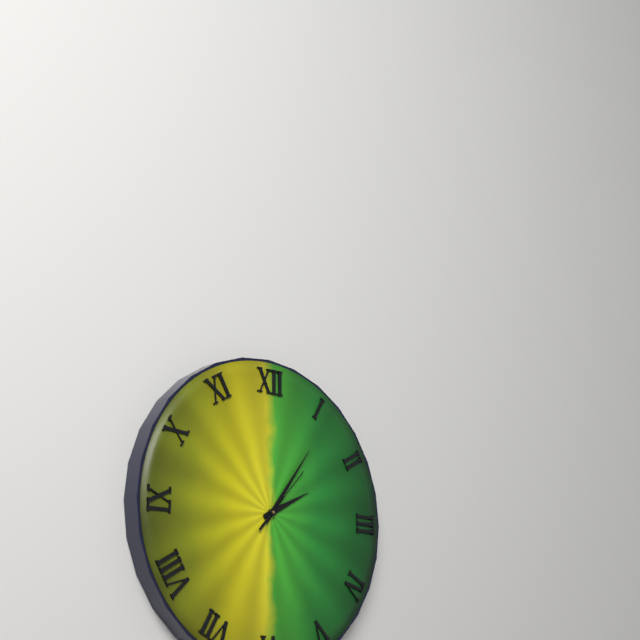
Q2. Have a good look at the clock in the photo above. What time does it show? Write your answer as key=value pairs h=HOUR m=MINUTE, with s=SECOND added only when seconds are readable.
h=2 m=6 s=7
